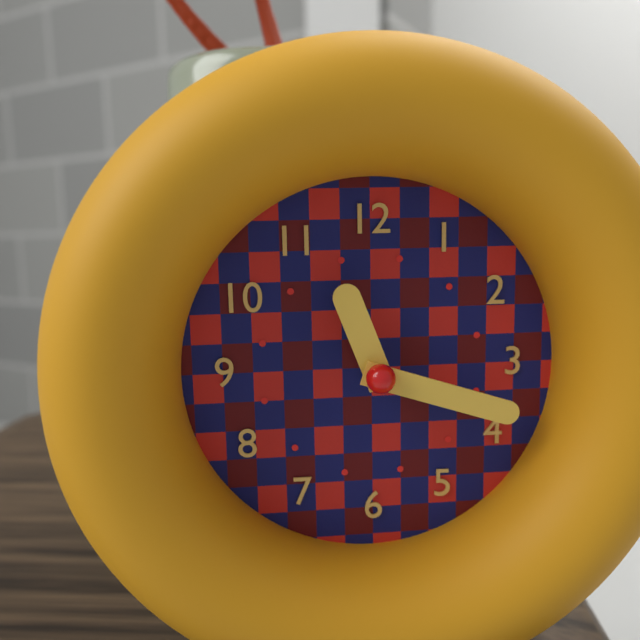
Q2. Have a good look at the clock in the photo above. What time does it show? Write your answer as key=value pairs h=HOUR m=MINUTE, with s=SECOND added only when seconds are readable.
h=11 m=18
